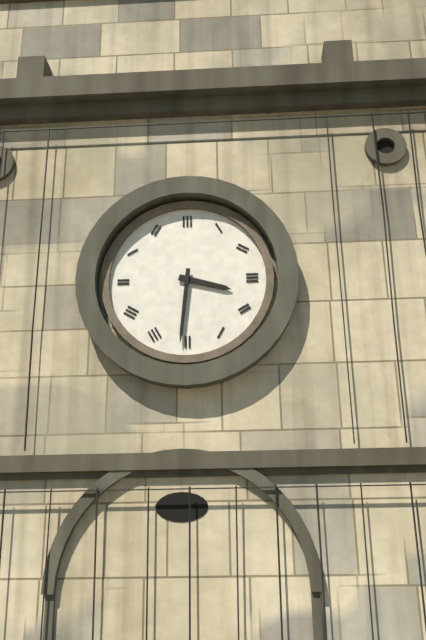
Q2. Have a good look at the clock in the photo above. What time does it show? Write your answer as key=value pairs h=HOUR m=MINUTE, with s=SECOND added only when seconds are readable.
h=3 m=31
